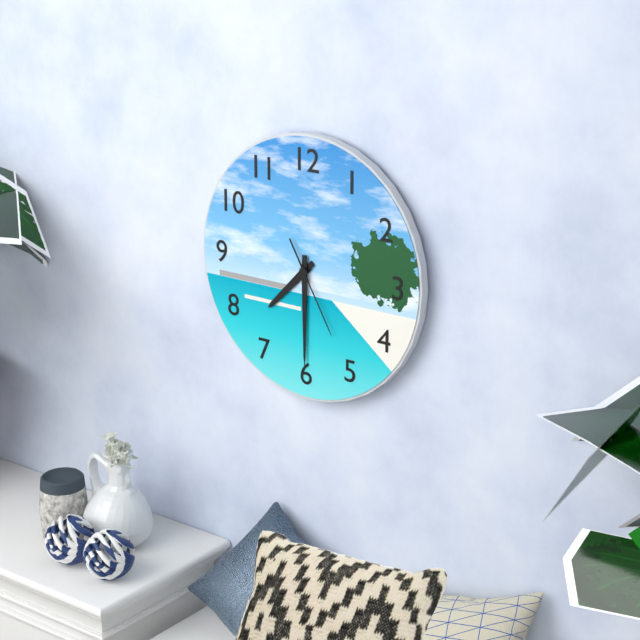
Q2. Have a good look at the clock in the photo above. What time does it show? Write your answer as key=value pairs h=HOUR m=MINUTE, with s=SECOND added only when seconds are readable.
h=7 m=30 s=25
